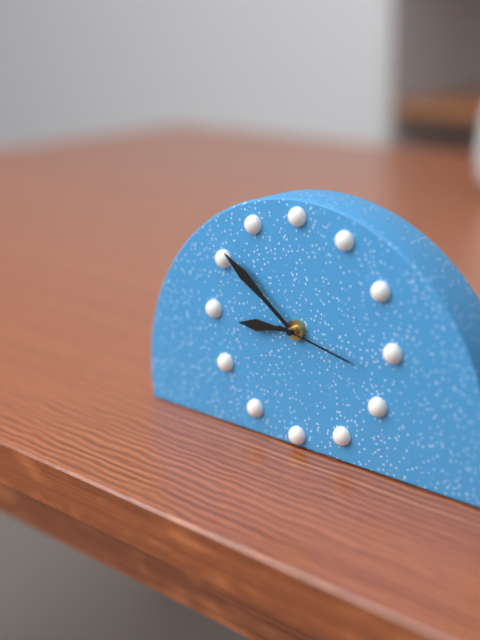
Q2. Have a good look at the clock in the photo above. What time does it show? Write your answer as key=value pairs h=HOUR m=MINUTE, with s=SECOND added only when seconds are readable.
h=8 m=51 s=17
